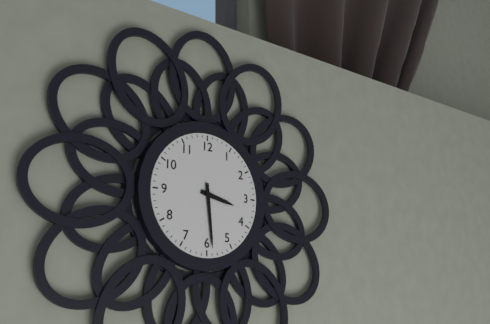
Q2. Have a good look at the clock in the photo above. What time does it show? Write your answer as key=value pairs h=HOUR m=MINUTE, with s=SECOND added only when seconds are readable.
h=3 m=29
